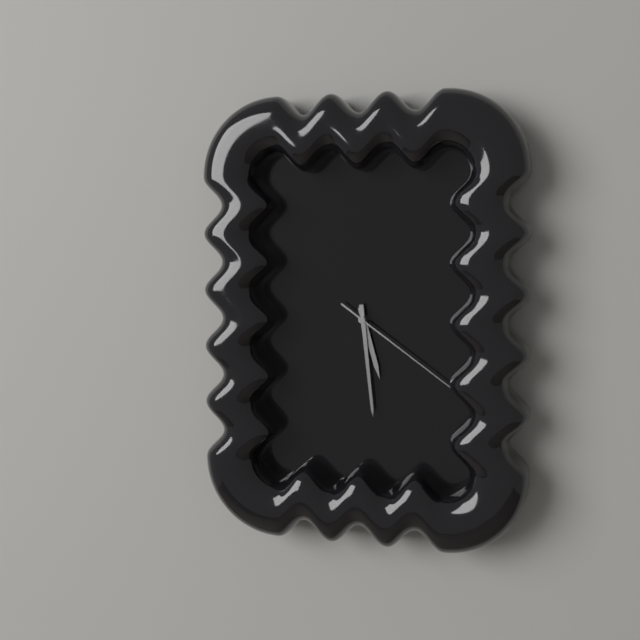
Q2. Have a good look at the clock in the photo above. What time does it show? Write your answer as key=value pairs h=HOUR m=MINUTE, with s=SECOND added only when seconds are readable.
h=5 m=29 s=21
